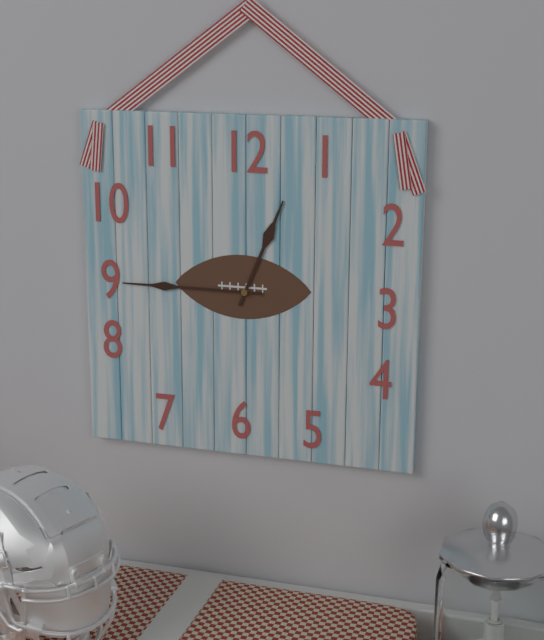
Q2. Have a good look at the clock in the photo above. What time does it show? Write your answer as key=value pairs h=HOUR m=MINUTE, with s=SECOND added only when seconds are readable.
h=12 m=45
